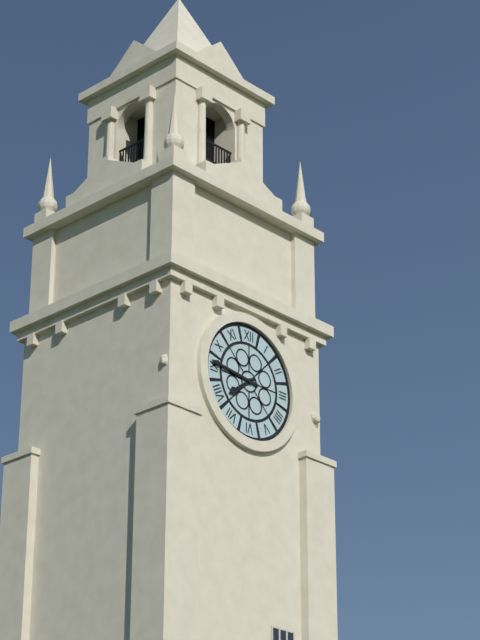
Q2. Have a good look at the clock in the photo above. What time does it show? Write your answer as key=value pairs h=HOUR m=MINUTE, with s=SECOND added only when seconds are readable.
h=7 m=46
